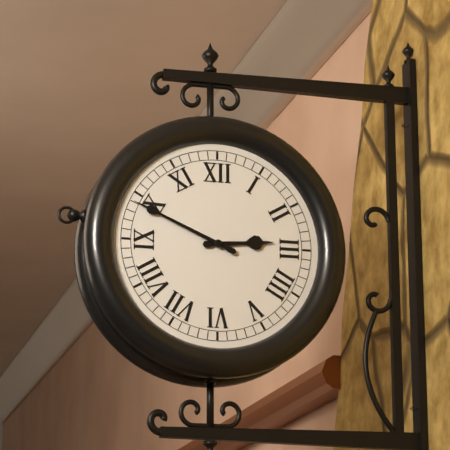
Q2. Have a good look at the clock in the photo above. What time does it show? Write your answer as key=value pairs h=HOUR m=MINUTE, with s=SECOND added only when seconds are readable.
h=2 m=49
